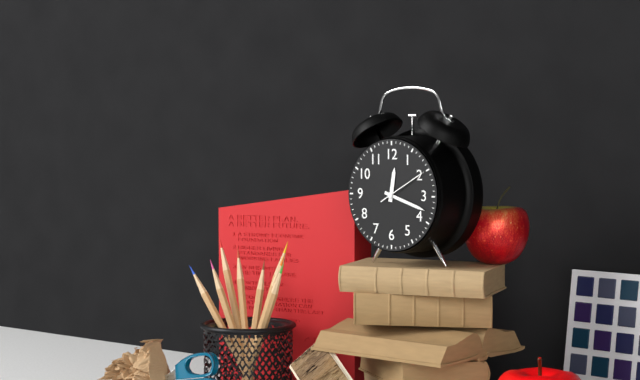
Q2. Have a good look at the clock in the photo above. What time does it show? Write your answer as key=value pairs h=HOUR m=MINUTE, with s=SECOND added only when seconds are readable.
h=12 m=18 s=10
